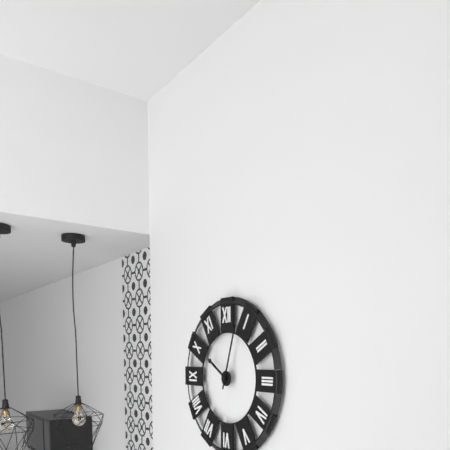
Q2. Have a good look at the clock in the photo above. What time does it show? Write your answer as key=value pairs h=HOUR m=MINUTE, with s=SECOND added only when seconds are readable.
h=10 m=3
